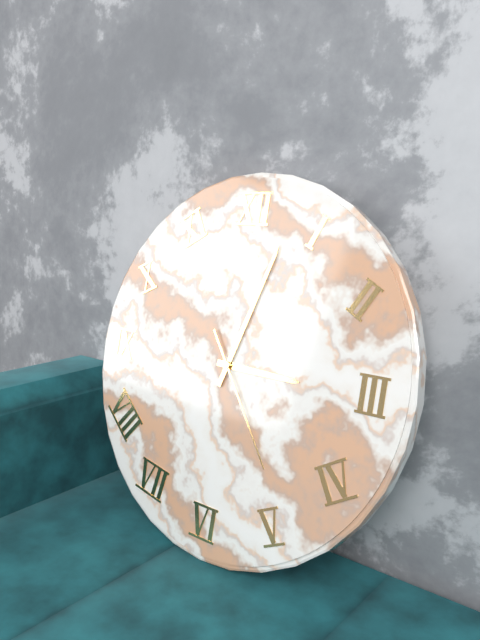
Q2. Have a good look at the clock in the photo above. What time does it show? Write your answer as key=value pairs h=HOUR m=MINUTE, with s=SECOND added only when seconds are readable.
h=3 m=3 s=24
